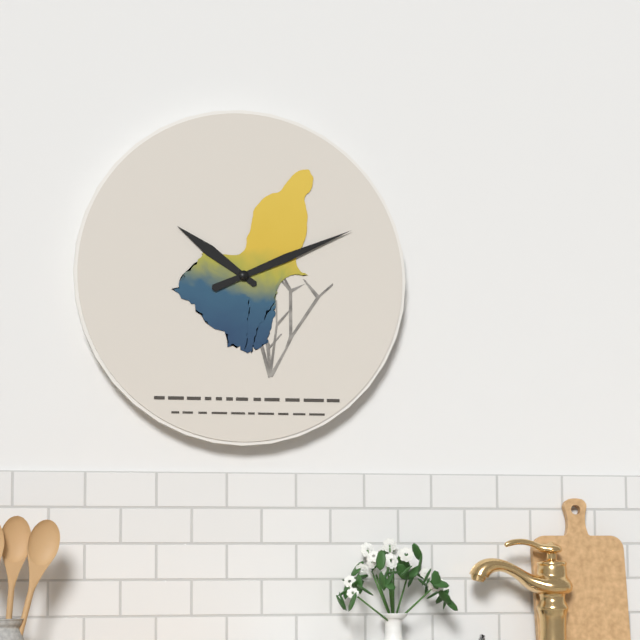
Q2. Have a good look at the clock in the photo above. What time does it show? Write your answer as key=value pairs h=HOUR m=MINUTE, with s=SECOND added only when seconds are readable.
h=10 m=11
